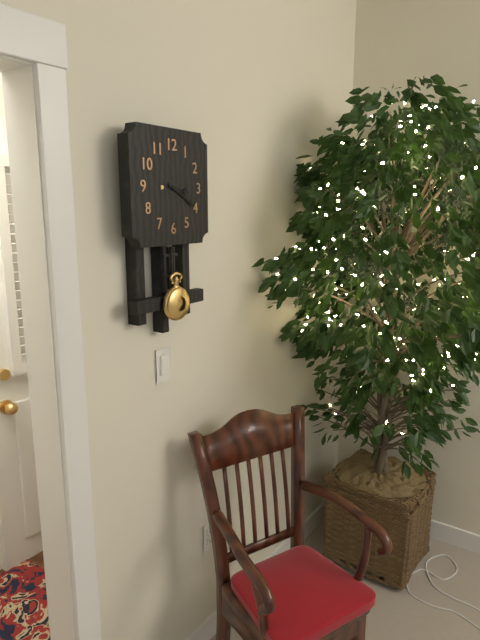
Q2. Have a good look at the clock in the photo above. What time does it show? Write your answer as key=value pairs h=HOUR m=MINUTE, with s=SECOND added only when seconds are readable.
h=3 m=20
